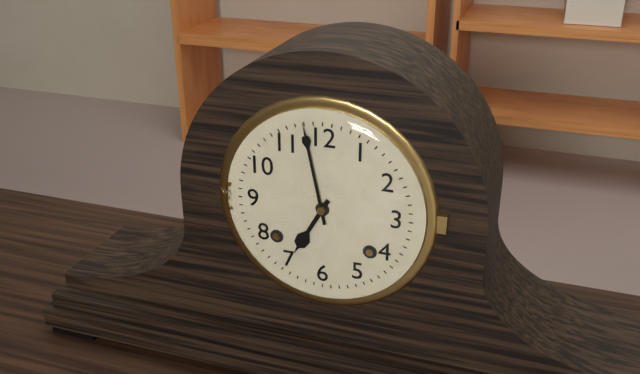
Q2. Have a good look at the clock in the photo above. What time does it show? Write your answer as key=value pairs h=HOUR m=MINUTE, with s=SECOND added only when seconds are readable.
h=6 m=58
